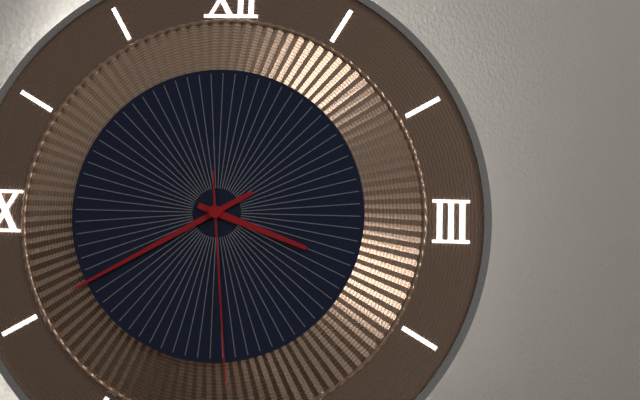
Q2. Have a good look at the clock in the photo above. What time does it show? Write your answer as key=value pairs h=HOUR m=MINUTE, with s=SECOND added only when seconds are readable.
h=3 m=40 s=29
